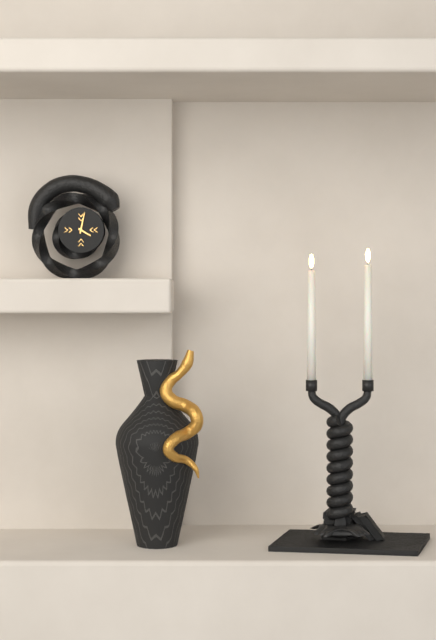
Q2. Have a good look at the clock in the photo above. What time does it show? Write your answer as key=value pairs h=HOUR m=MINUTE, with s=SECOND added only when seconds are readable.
h=4 m=2
